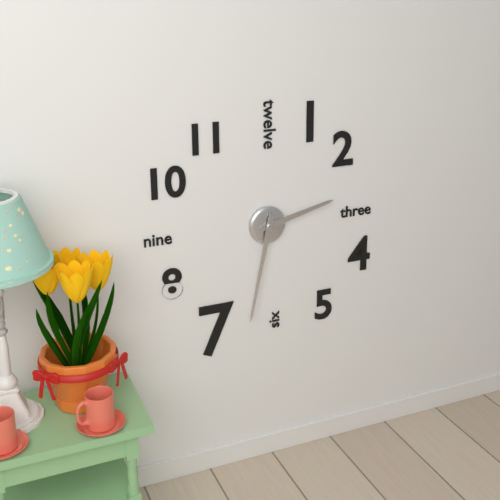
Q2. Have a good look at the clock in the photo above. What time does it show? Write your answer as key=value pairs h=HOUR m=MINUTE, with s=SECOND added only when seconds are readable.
h=2 m=32
